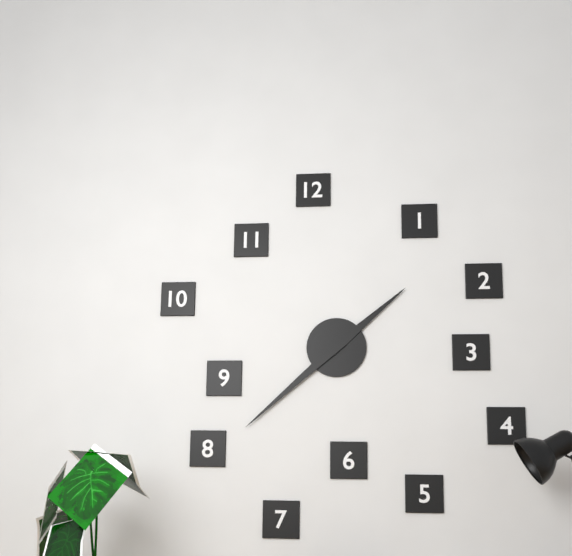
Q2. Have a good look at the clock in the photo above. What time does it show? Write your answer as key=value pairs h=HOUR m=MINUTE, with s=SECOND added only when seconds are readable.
h=1 m=38
